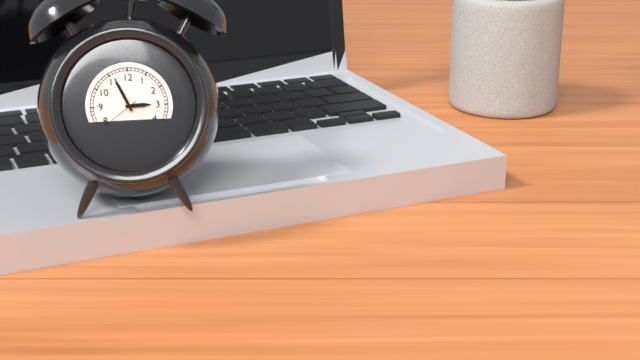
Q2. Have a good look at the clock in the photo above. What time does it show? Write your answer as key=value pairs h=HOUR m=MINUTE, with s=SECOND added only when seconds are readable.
h=2 m=56
